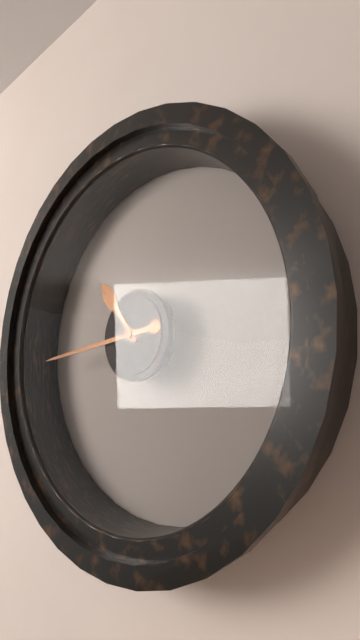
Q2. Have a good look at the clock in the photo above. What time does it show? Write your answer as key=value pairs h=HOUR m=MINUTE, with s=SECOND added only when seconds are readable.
h=10 m=44
